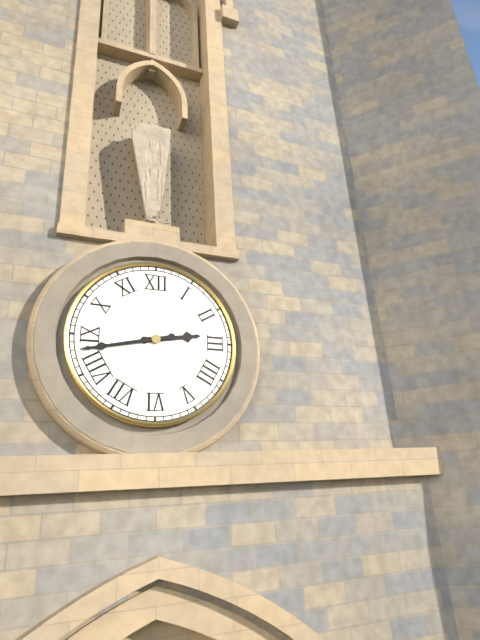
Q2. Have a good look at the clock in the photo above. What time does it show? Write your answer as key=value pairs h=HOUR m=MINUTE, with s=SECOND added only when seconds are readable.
h=2 m=43
